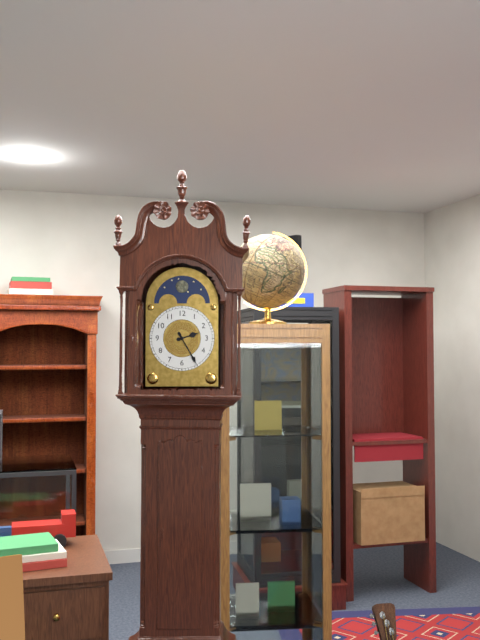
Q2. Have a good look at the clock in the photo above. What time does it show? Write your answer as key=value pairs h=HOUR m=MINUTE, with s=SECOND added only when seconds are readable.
h=2 m=25
